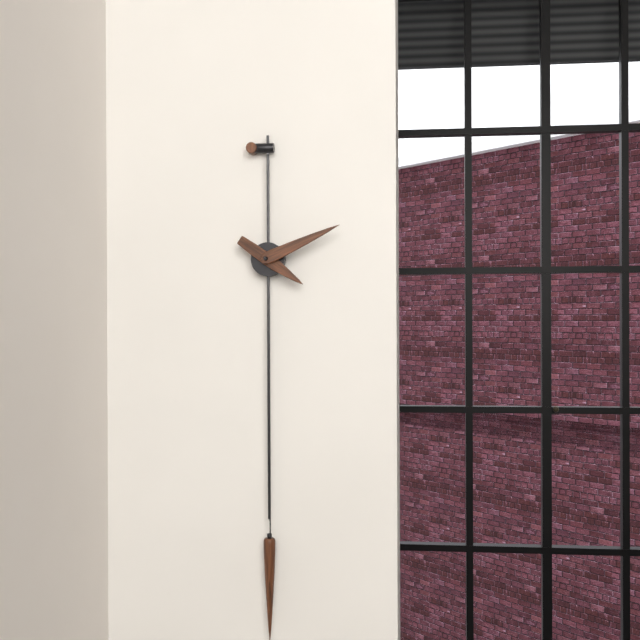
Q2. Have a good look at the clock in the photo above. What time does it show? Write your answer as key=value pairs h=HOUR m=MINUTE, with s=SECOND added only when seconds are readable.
h=4 m=11
